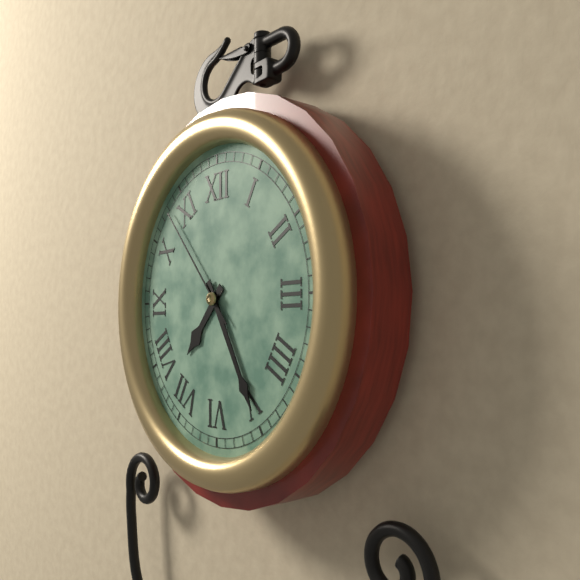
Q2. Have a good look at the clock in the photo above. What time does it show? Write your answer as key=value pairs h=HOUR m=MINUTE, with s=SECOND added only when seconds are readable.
h=7 m=25 s=53
